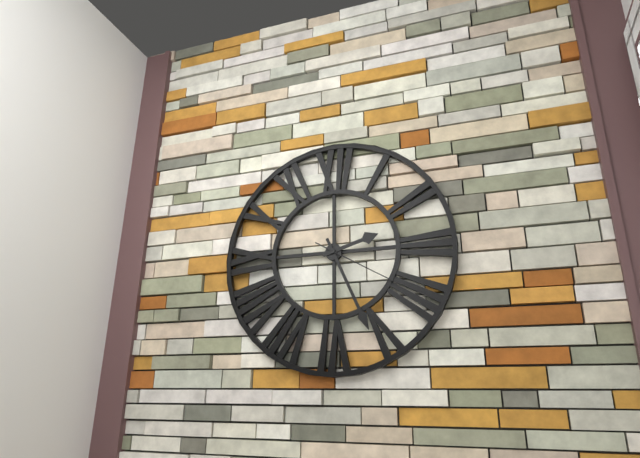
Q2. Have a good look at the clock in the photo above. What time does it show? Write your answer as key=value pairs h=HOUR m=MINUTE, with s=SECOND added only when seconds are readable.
h=2 m=26 s=20
